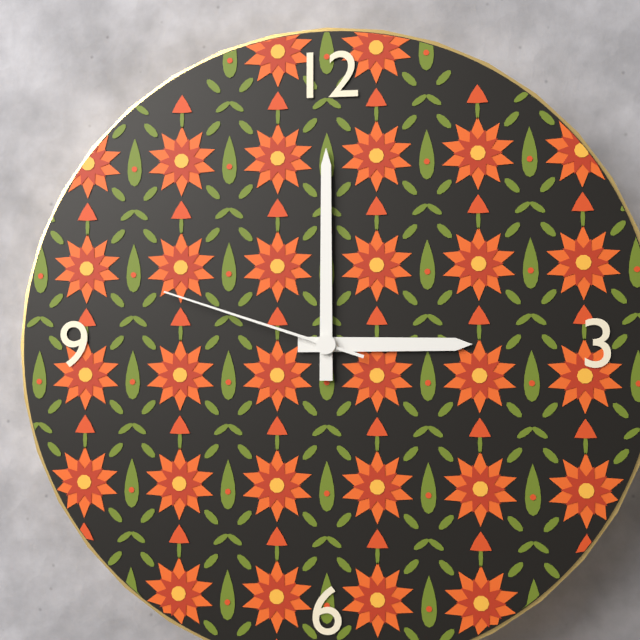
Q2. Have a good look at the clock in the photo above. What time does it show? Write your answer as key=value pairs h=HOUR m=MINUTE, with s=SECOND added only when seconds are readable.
h=3 m=0 s=48
